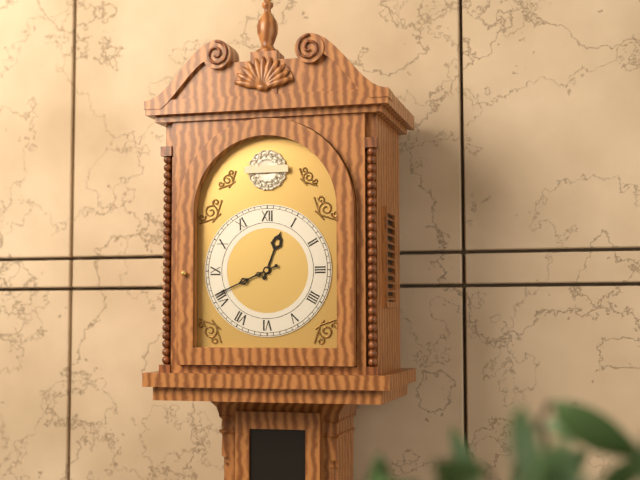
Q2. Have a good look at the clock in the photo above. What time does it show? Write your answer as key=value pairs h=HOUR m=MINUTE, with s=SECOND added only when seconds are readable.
h=12 m=41
